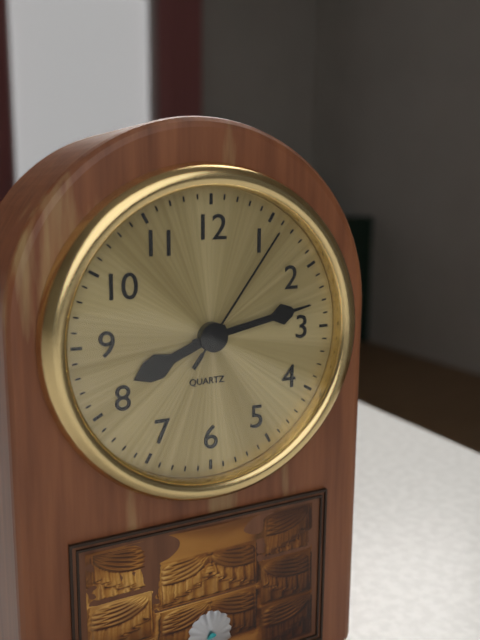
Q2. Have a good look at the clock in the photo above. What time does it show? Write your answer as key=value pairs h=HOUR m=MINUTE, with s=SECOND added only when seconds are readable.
h=8 m=13 s=6
